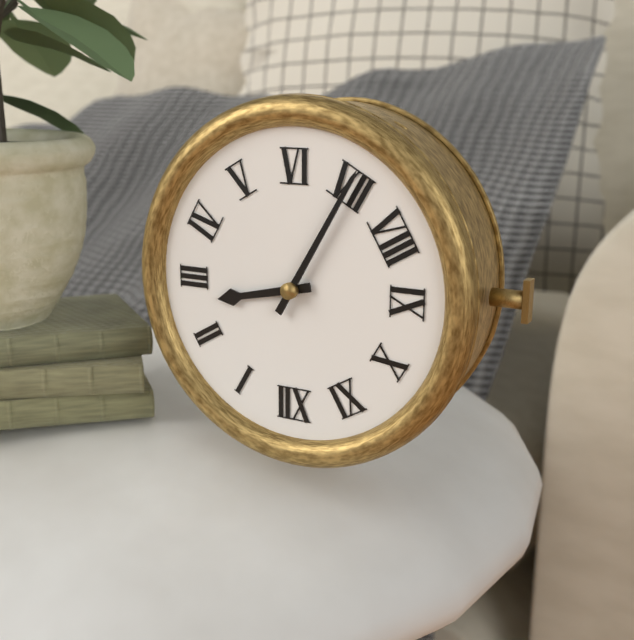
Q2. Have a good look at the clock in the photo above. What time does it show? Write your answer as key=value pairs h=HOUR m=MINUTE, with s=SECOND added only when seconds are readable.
h=2 m=35
